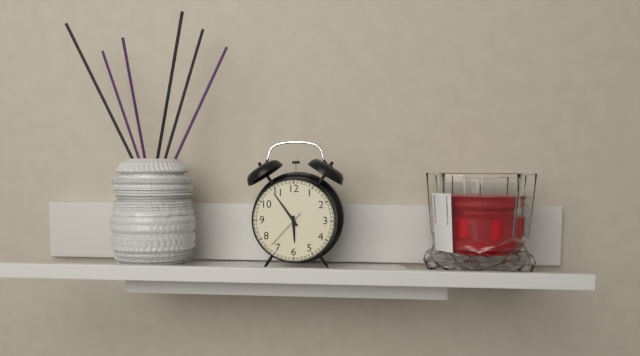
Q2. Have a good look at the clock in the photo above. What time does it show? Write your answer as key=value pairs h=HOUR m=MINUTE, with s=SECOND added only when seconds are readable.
h=5 m=54
